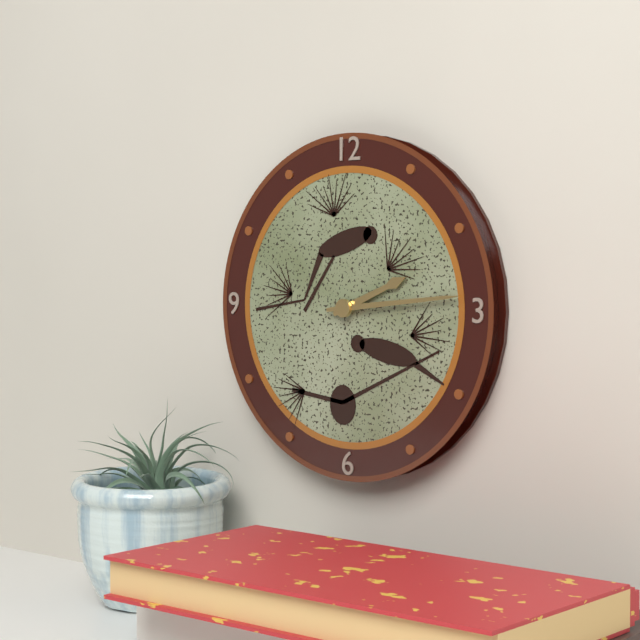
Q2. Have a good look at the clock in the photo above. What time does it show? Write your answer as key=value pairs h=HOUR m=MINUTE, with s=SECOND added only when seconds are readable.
h=2 m=14
